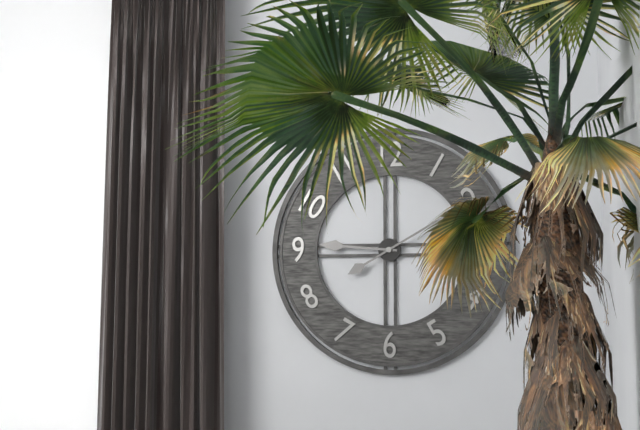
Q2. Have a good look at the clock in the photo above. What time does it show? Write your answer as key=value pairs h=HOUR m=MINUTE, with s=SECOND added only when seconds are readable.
h=9 m=10
